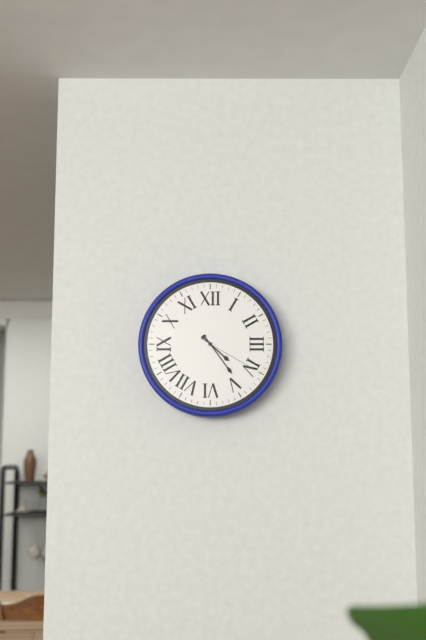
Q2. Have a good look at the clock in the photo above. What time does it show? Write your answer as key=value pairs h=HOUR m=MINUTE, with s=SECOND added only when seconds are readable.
h=4 m=24 s=20
